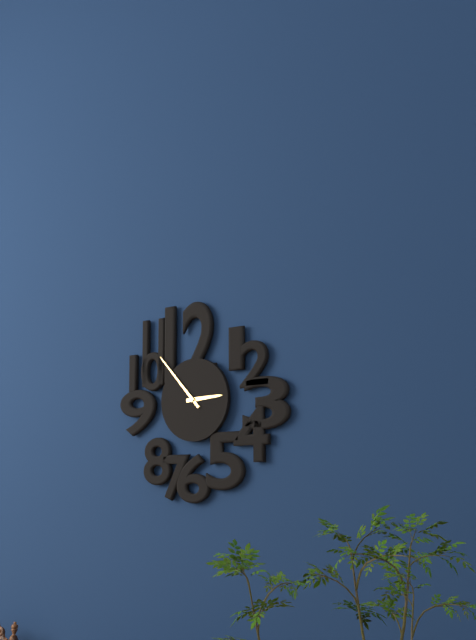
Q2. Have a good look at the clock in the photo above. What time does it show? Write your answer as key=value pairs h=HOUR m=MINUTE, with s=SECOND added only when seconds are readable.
h=2 m=53
